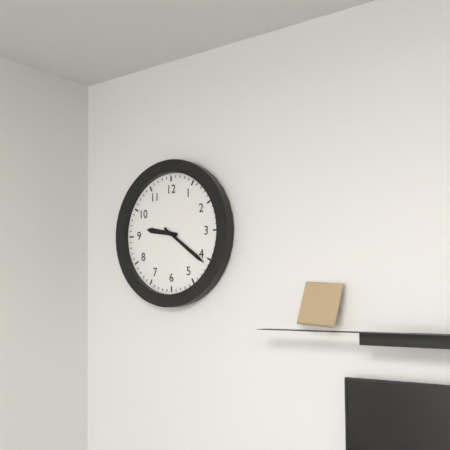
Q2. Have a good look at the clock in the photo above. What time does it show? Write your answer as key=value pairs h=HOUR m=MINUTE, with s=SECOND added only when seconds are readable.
h=9 m=21
